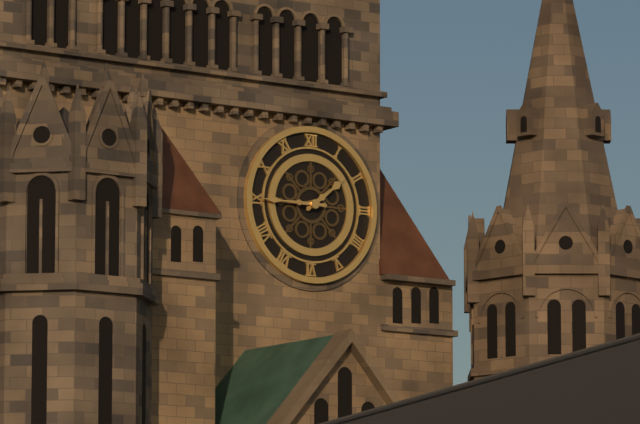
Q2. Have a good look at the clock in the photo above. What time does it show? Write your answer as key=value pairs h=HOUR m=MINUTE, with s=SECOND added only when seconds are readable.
h=1 m=45
